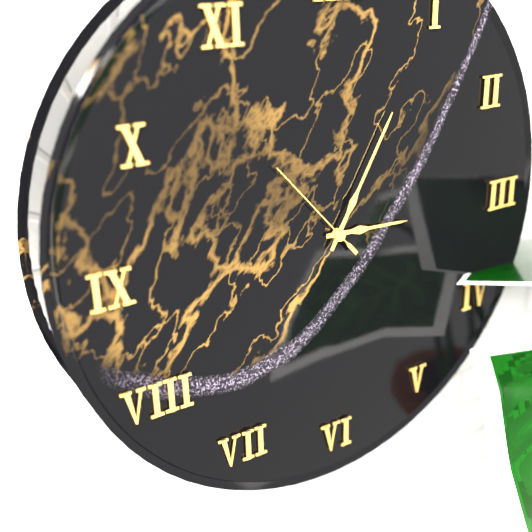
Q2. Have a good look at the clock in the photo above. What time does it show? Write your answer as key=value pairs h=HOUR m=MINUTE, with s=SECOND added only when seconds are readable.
h=3 m=5 s=53
